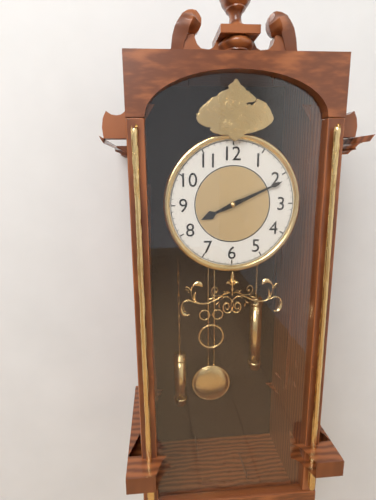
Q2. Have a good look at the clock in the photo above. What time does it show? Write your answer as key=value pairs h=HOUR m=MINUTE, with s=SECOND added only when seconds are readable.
h=8 m=11
